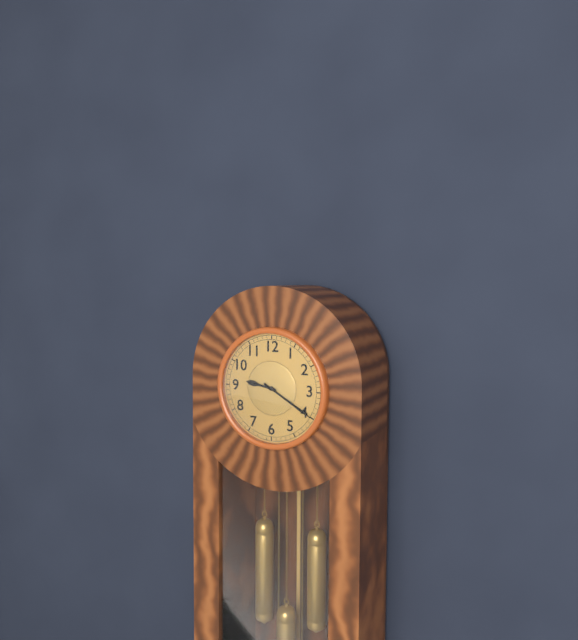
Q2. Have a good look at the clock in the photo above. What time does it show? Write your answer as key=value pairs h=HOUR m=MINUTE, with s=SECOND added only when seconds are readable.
h=9 m=20
